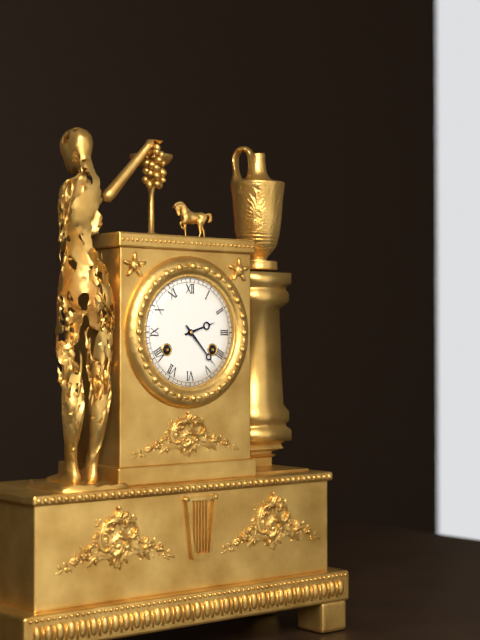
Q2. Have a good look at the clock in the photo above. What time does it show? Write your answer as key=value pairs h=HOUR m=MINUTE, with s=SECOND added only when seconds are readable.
h=2 m=23
